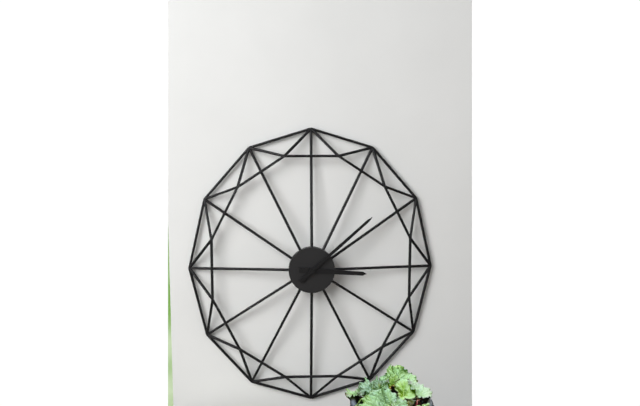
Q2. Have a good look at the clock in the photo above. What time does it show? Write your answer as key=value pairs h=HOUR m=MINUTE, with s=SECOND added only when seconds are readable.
h=3 m=8
